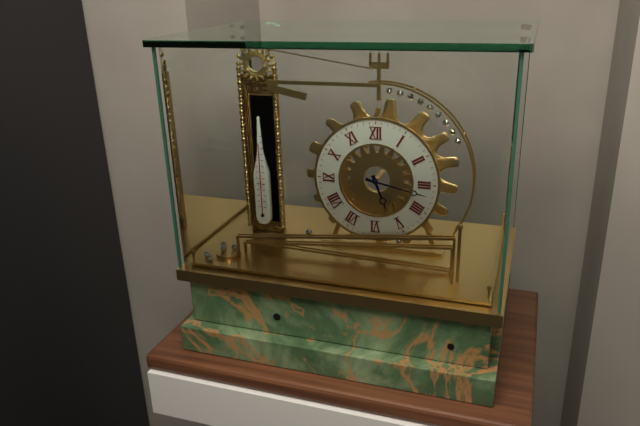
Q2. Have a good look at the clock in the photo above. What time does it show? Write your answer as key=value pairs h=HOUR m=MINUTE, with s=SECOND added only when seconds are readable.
h=5 m=17
